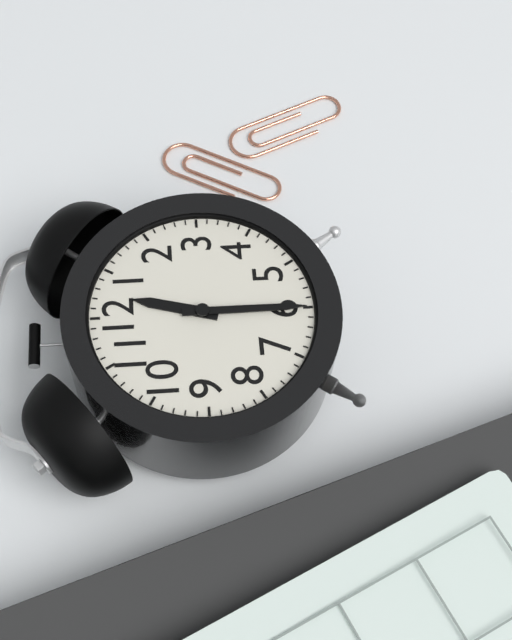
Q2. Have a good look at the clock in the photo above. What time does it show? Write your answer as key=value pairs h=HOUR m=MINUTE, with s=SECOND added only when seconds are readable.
h=12 m=30
